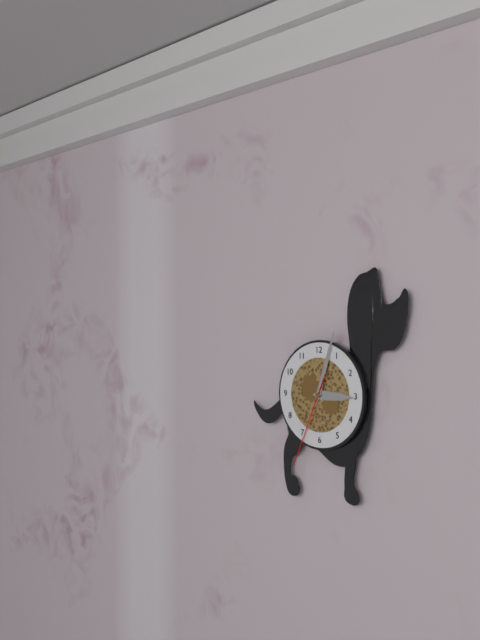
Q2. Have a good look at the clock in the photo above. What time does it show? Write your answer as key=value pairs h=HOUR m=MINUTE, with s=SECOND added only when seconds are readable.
h=3 m=3 s=34
